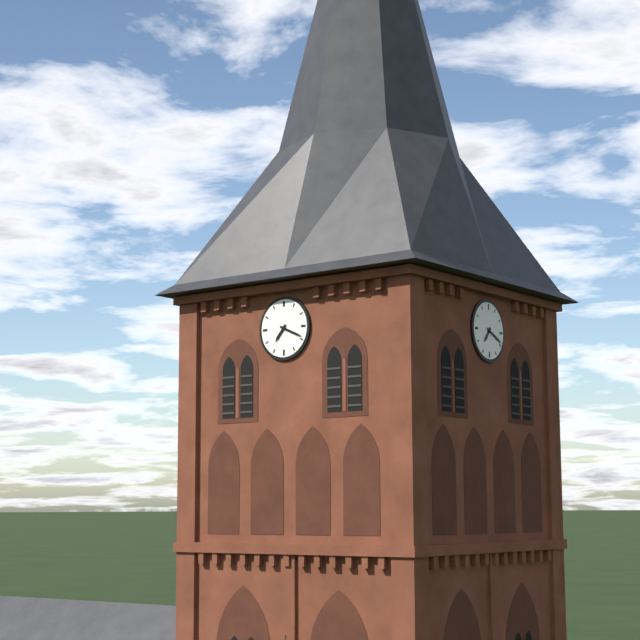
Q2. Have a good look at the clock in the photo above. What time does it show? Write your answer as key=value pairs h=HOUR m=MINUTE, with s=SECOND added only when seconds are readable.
h=7 m=19
